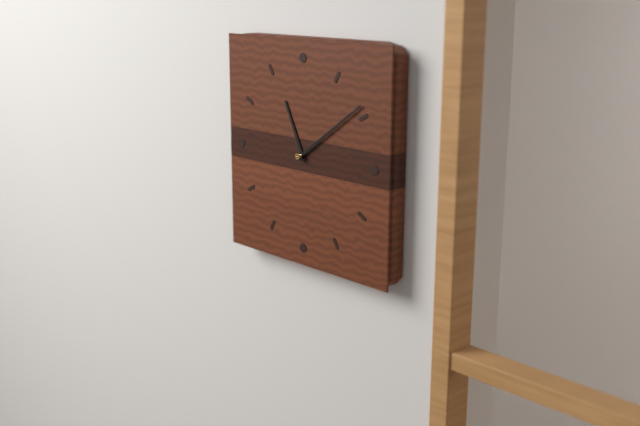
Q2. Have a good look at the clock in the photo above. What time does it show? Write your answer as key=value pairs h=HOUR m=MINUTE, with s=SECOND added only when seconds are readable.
h=11 m=9
